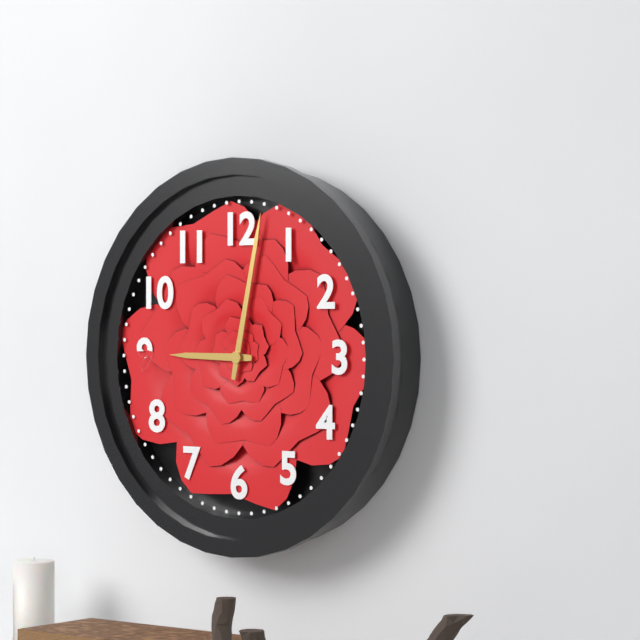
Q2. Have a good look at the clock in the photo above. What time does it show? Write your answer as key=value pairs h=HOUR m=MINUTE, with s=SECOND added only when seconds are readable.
h=9 m=2
